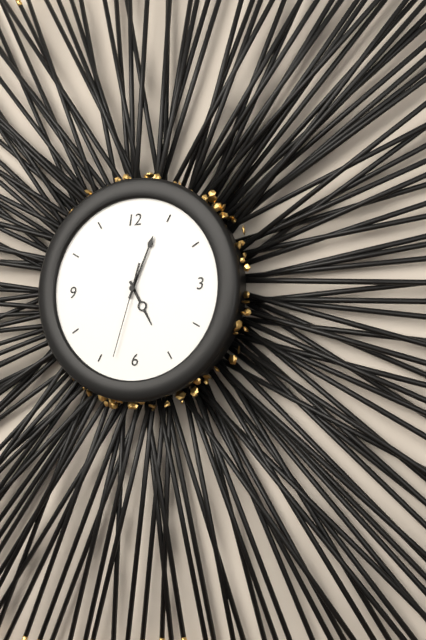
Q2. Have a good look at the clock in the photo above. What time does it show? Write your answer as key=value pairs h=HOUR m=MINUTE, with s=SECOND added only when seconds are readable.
h=5 m=4 s=33
